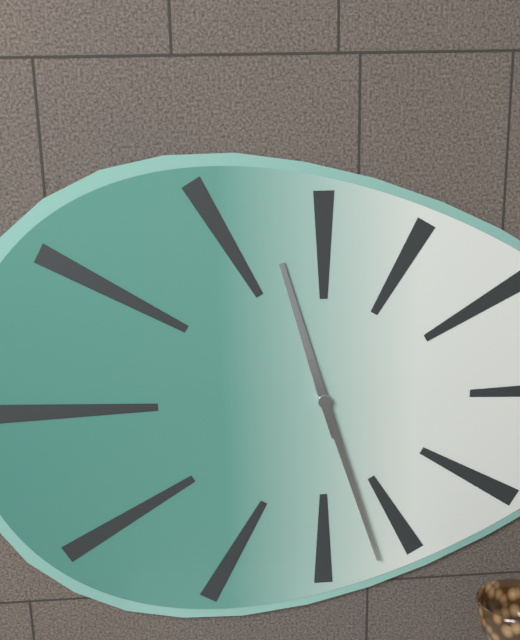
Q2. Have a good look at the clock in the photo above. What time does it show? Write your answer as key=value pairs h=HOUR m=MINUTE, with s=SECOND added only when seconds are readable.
h=11 m=27
